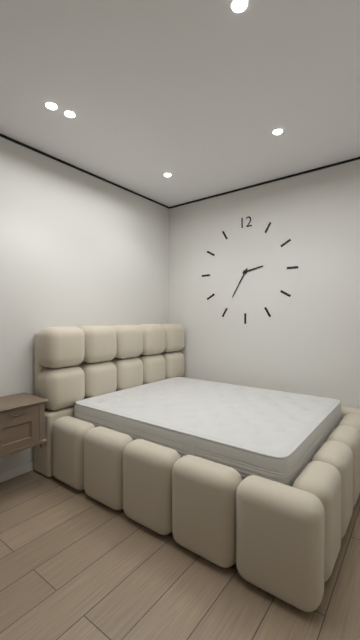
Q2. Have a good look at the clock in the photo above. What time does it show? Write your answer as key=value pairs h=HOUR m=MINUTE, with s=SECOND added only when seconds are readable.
h=2 m=35
